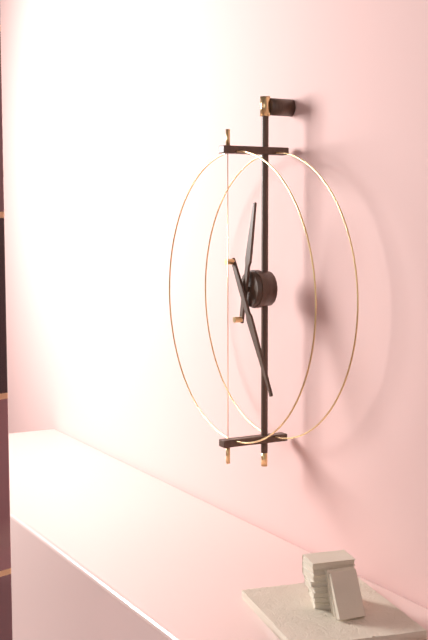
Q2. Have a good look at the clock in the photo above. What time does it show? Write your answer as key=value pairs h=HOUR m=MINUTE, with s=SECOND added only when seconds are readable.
h=12 m=25
